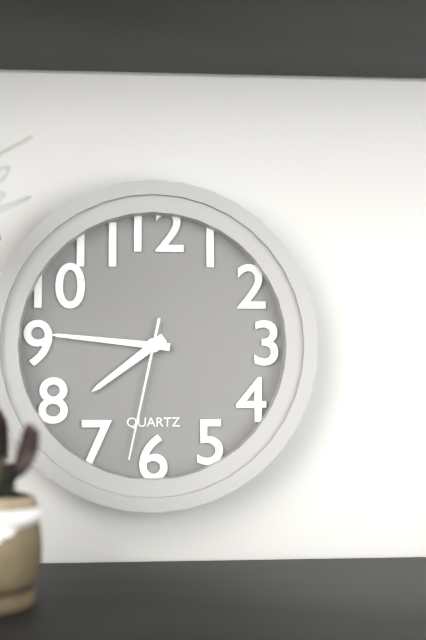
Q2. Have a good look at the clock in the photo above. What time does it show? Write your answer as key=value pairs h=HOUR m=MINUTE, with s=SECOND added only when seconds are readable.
h=7 m=46 s=32
